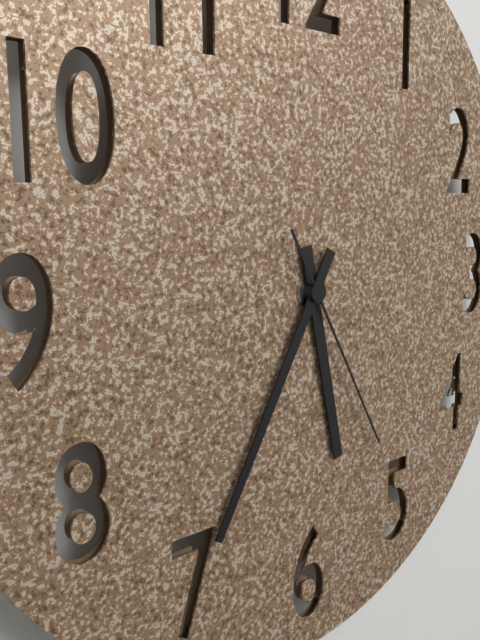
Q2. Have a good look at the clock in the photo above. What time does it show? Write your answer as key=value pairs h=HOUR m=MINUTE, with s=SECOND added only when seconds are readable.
h=5 m=35 s=25
